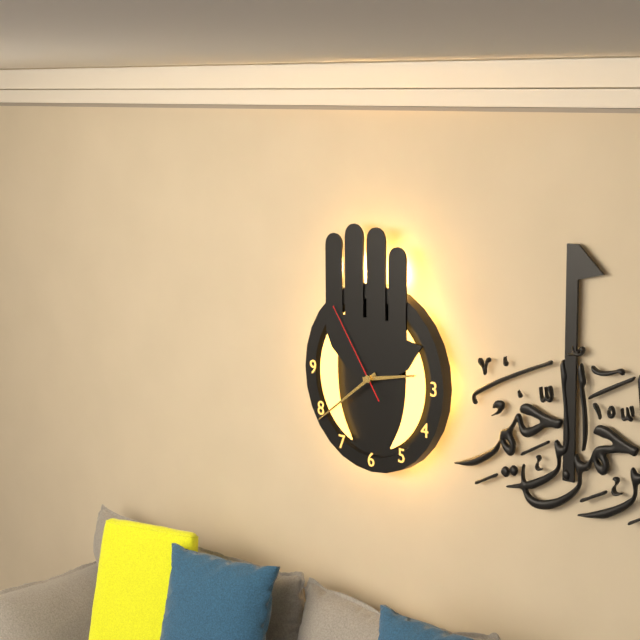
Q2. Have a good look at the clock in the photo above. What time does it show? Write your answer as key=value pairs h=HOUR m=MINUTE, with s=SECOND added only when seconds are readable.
h=2 m=39 s=54
